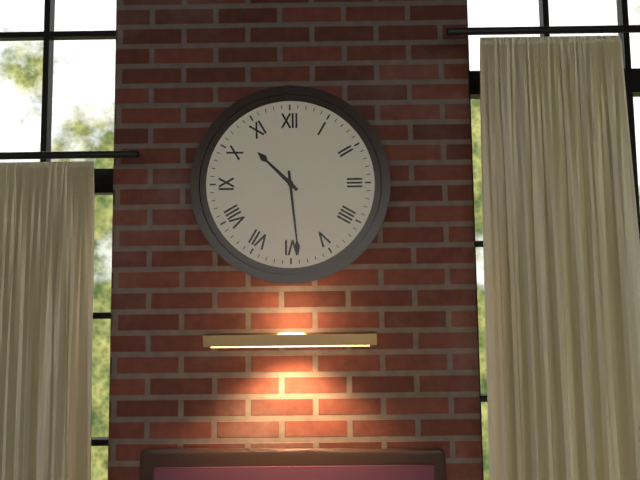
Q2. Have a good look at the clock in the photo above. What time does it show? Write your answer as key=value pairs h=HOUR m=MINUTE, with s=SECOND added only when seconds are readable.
h=10 m=29
